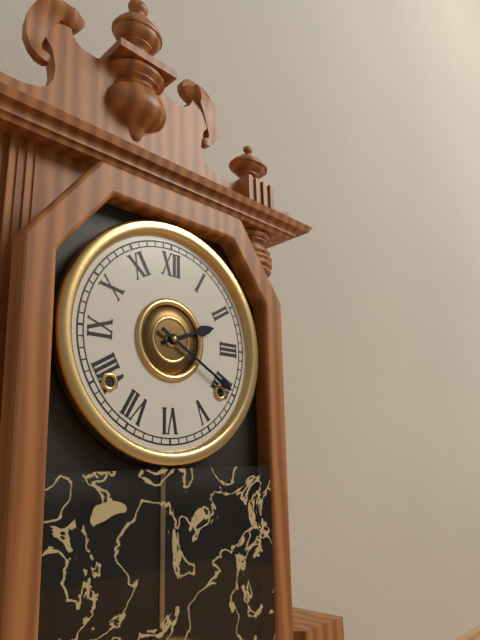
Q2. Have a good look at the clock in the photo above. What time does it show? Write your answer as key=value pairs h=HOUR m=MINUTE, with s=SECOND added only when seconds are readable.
h=2 m=20
